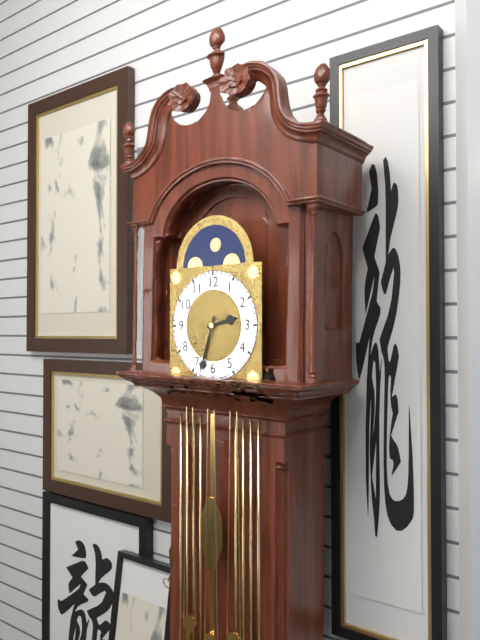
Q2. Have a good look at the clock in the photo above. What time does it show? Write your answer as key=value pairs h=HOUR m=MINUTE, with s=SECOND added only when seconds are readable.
h=2 m=33
